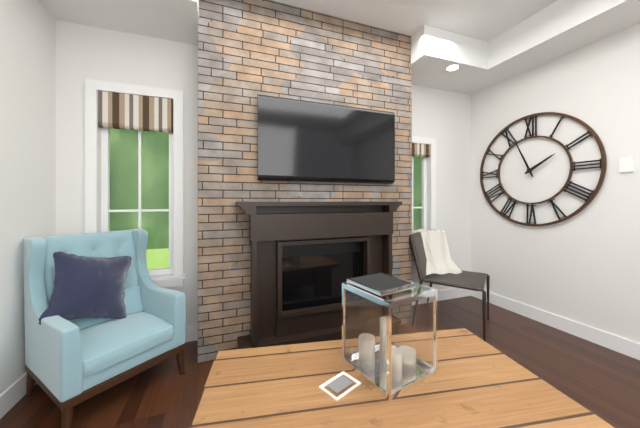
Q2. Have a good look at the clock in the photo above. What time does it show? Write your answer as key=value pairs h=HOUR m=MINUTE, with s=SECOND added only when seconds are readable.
h=1 m=56
